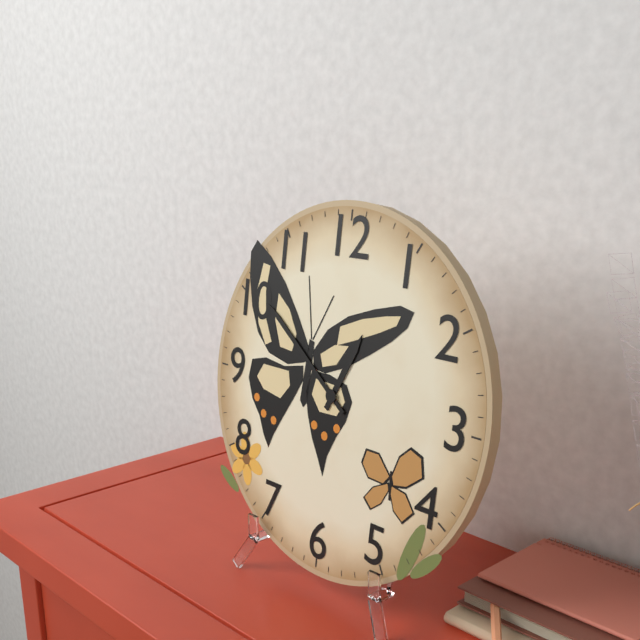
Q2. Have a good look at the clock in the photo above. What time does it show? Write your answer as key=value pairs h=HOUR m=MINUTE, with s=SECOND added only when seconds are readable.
h=12 m=51
